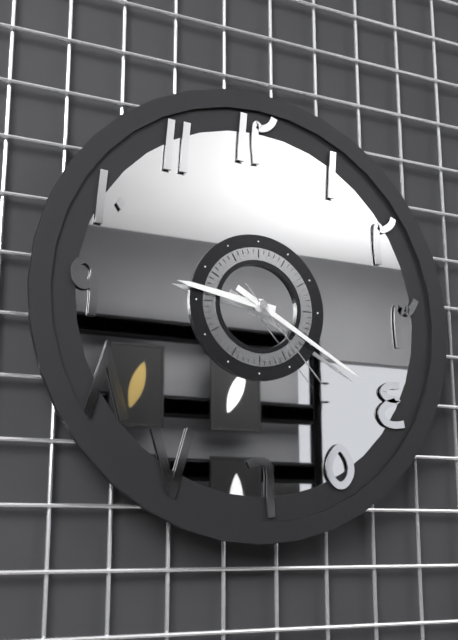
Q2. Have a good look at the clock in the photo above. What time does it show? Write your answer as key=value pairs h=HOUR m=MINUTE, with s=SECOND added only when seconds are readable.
h=9 m=20 s=23
